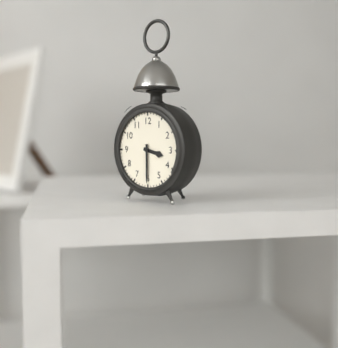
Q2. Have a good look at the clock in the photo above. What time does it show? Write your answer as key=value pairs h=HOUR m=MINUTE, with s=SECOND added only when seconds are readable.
h=3 m=30
